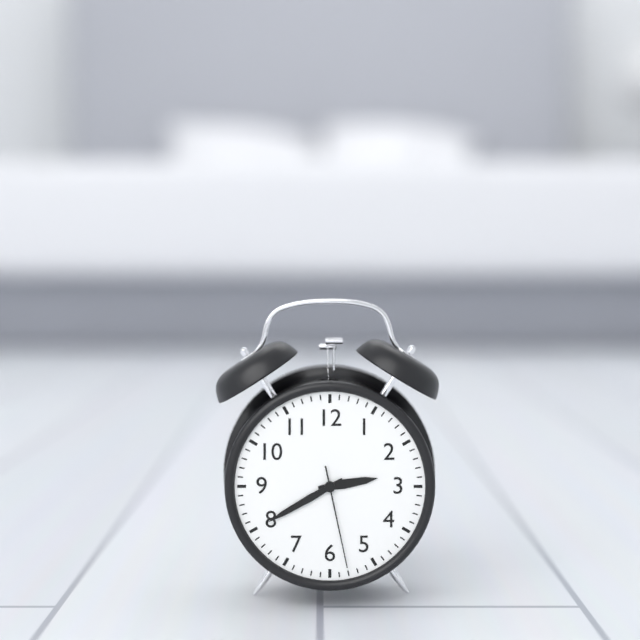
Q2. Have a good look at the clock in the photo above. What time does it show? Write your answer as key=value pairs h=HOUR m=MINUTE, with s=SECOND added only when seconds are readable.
h=2 m=40 s=28
